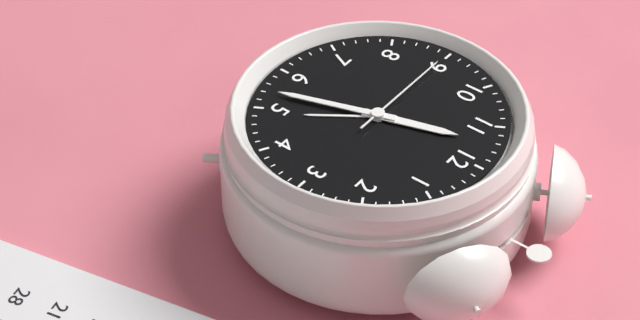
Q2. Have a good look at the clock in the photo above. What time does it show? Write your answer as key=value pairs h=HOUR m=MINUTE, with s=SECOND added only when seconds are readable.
h=11 m=27 s=45
